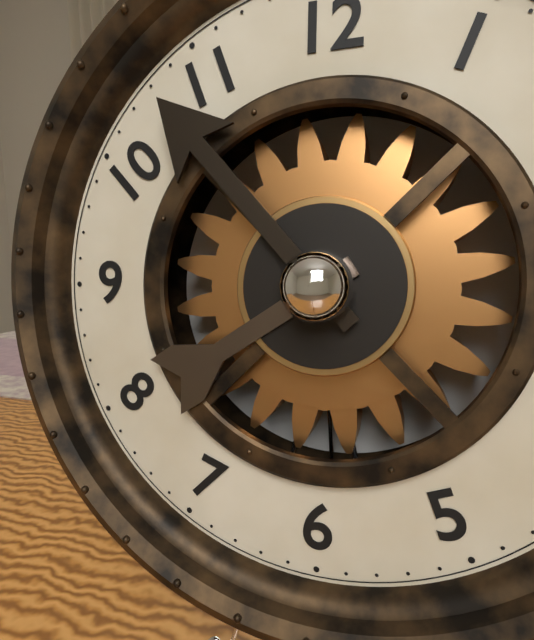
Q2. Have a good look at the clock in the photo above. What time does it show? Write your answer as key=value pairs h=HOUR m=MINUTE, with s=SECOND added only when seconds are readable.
h=7 m=53
